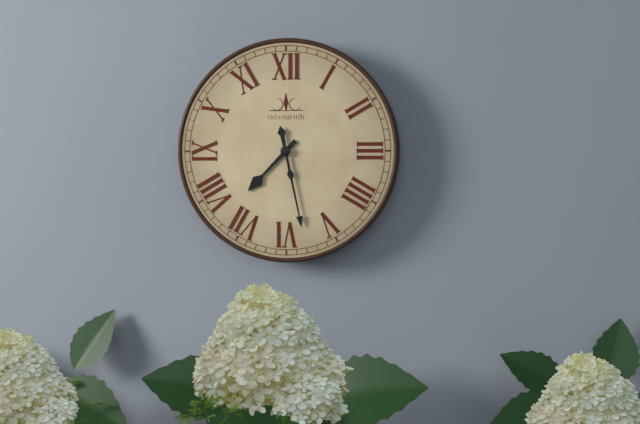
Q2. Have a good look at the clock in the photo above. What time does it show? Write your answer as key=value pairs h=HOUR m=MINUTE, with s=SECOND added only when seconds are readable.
h=7 m=28
